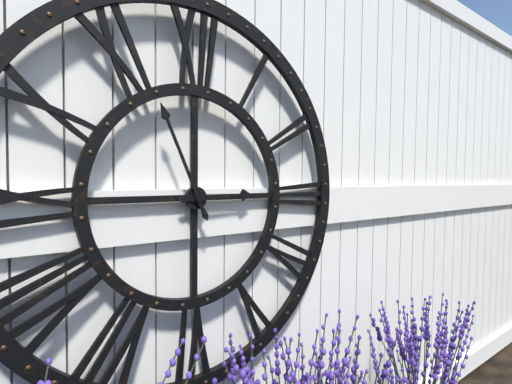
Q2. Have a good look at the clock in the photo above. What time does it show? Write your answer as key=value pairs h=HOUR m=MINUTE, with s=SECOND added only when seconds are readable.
h=2 m=56
